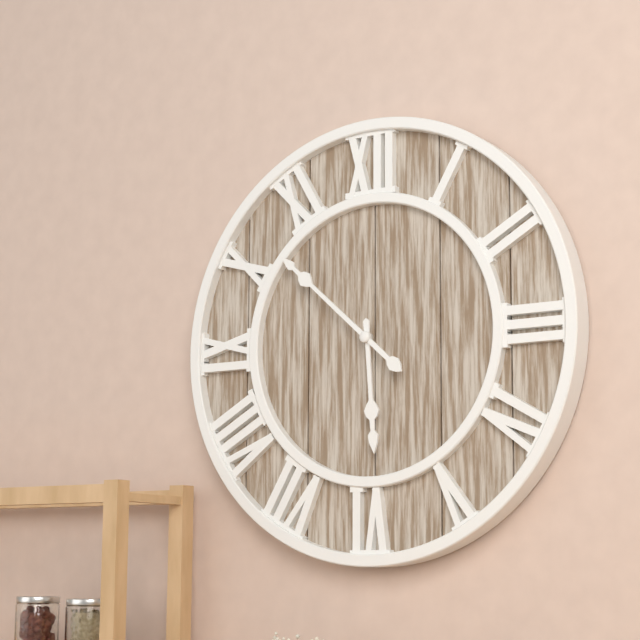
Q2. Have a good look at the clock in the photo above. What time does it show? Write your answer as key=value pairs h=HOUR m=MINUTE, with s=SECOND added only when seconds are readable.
h=5 m=52
